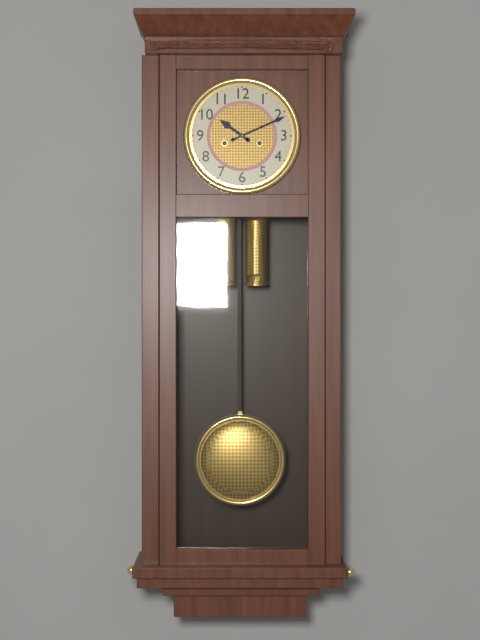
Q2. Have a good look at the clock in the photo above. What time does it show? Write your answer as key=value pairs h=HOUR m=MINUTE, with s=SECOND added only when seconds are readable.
h=10 m=11
